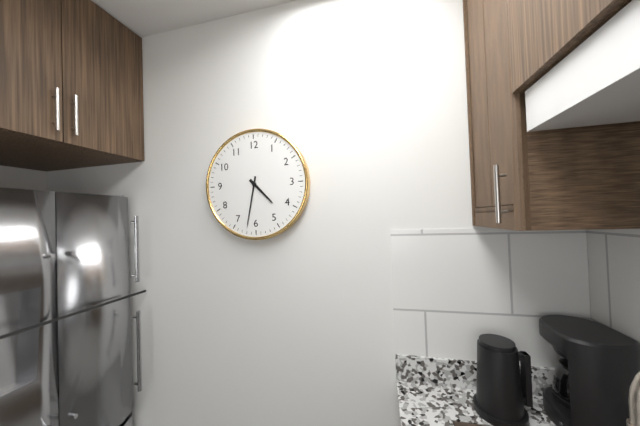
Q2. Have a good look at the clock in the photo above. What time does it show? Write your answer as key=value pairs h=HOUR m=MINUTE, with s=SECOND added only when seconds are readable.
h=4 m=32
